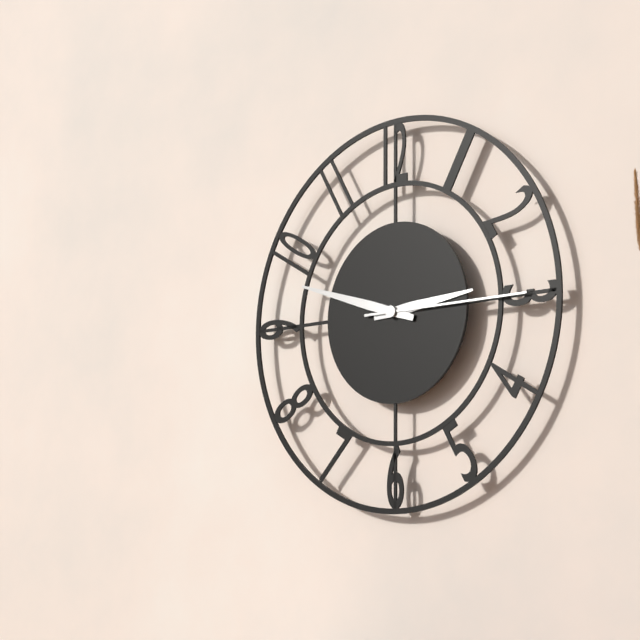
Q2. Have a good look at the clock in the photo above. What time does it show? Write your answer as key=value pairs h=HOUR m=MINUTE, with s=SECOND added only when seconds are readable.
h=2 m=48 s=15
